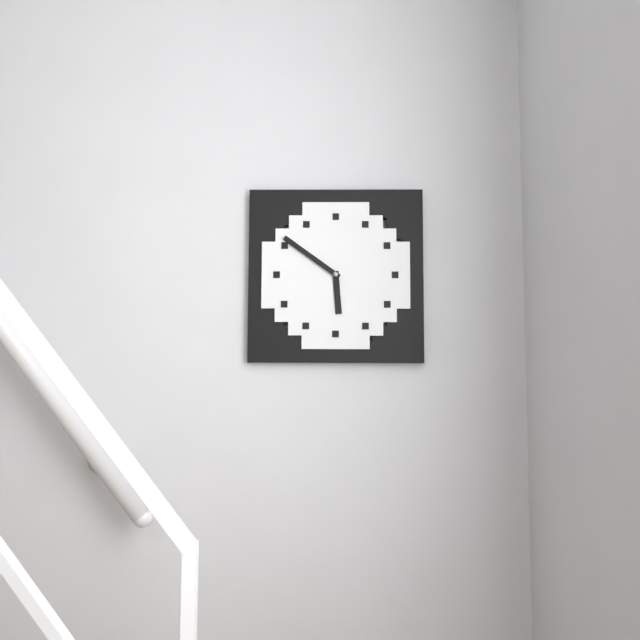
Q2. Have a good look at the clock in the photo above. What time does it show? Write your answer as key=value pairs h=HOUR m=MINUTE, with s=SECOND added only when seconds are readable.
h=5 m=51
